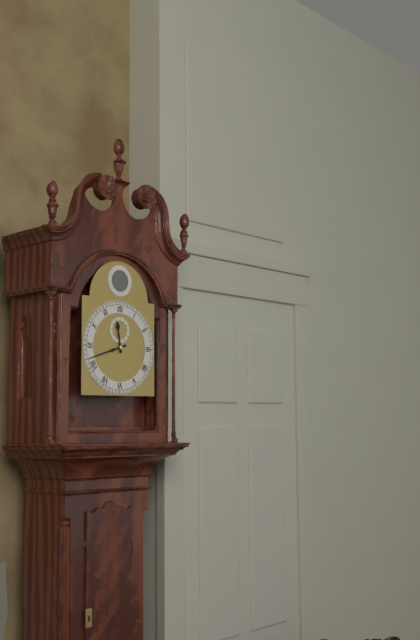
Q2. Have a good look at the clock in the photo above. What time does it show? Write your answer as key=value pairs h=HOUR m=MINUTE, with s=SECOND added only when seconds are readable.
h=11 m=42
